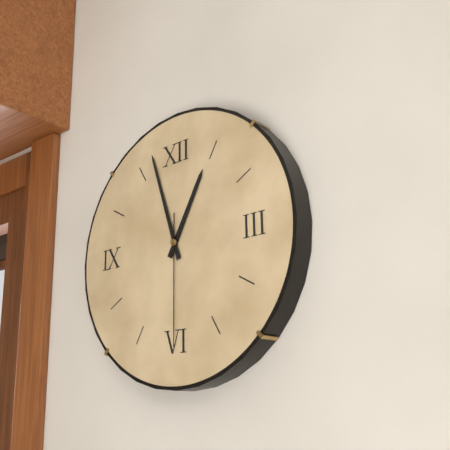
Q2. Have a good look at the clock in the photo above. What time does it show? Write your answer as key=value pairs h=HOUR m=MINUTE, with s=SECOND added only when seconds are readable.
h=12 m=57 s=30
